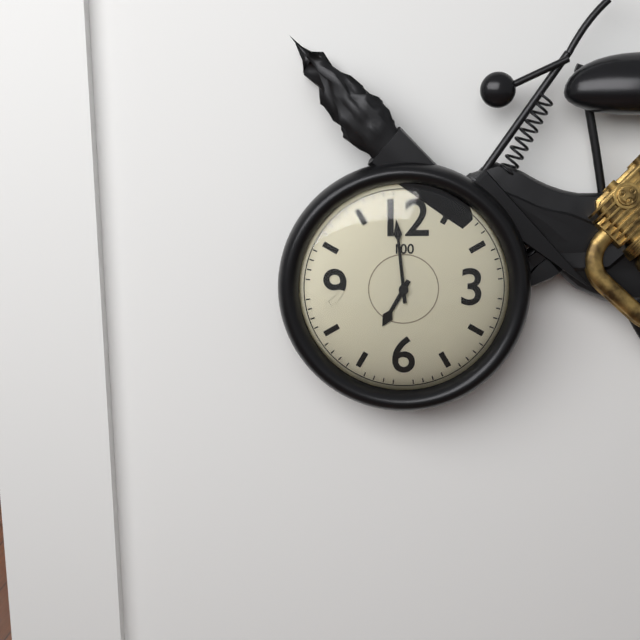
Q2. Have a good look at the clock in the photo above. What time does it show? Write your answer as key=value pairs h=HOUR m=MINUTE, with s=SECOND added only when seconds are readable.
h=6 m=59
